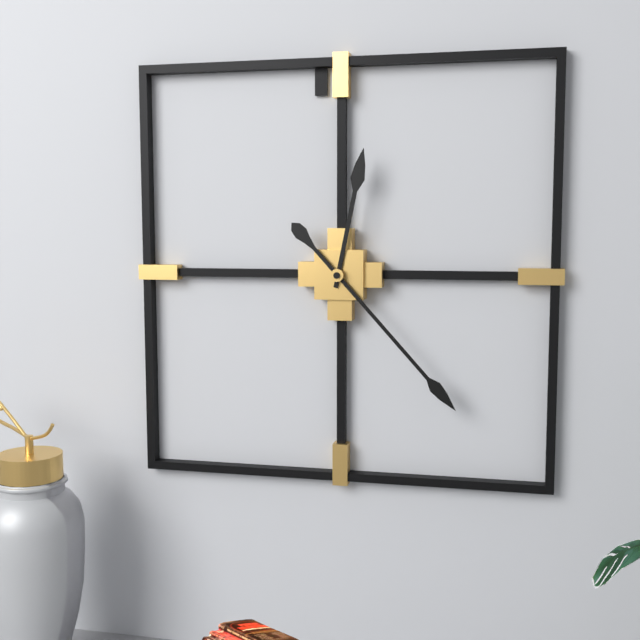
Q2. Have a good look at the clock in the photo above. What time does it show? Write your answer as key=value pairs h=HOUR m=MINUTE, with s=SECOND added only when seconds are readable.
h=12 m=23
